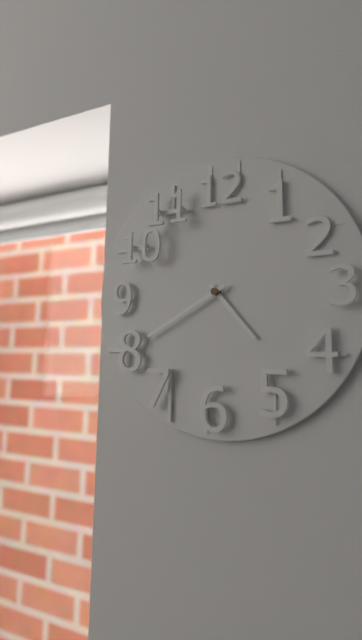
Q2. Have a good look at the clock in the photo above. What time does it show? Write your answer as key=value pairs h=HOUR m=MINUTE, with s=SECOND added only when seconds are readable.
h=4 m=40
